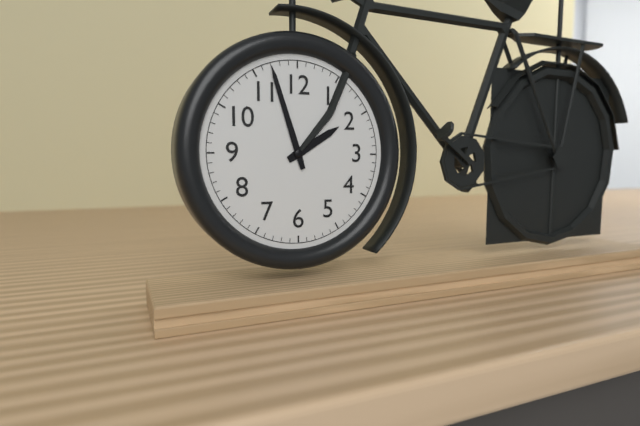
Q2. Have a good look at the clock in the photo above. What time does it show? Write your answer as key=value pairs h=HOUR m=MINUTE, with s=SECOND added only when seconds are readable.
h=1 m=57
